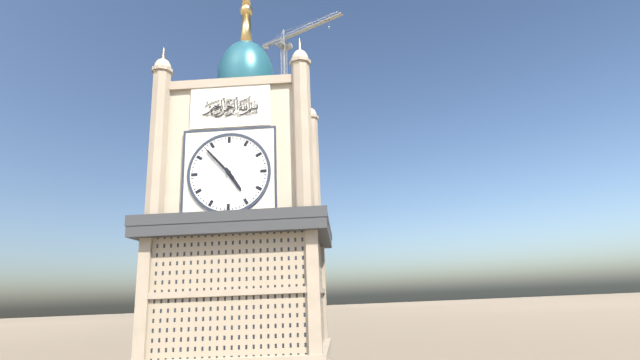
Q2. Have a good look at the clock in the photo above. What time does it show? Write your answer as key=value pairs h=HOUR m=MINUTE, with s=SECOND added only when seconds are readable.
h=4 m=53
